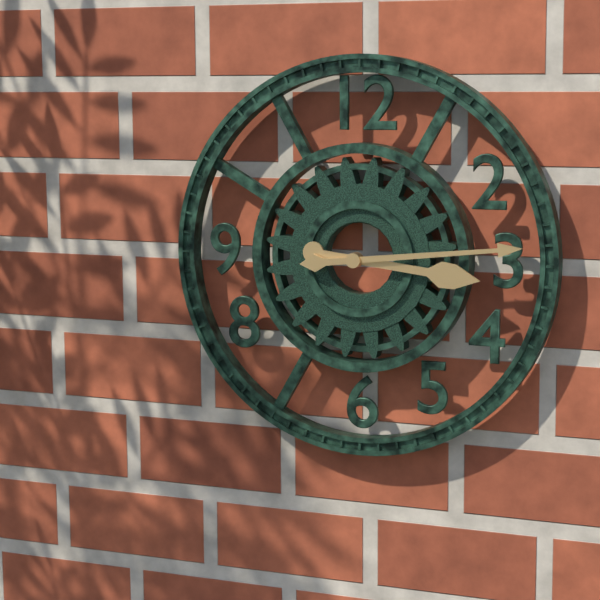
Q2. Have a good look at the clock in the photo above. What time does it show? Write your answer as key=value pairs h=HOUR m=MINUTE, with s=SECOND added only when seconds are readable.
h=3 m=14
